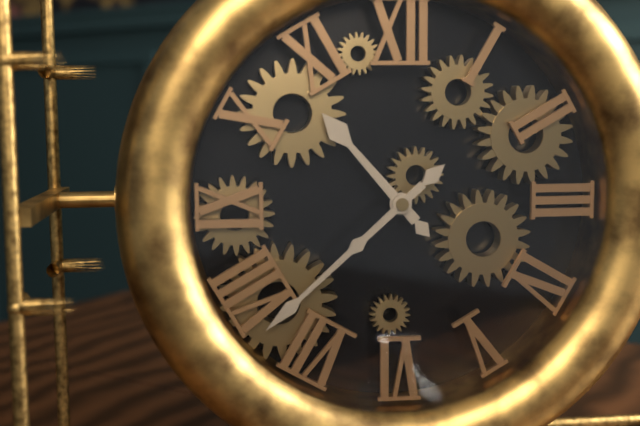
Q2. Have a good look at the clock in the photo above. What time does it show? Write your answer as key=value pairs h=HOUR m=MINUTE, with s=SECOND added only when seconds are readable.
h=10 m=38
